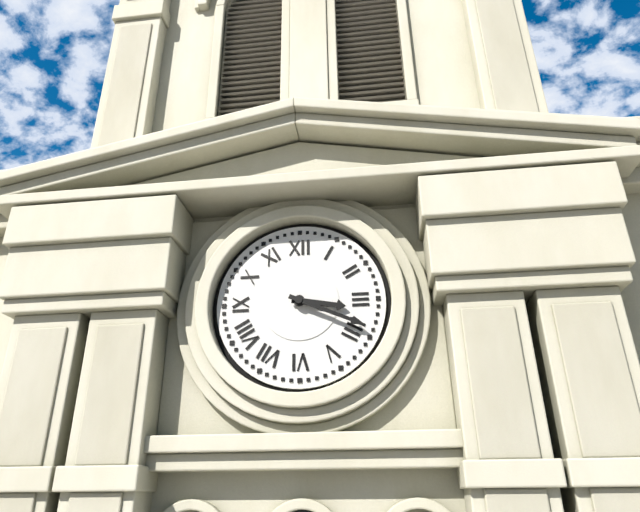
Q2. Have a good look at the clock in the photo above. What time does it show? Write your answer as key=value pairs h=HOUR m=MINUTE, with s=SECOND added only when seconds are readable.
h=3 m=19
